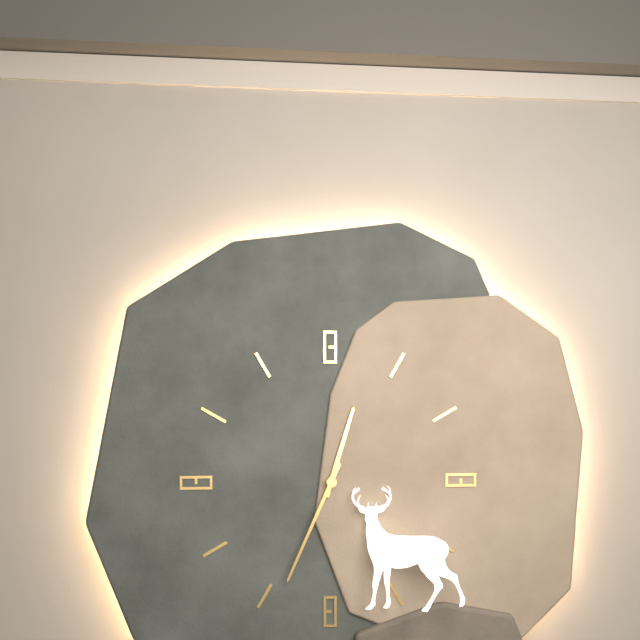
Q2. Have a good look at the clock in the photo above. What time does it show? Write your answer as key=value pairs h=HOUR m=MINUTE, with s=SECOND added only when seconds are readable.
h=12 m=34
